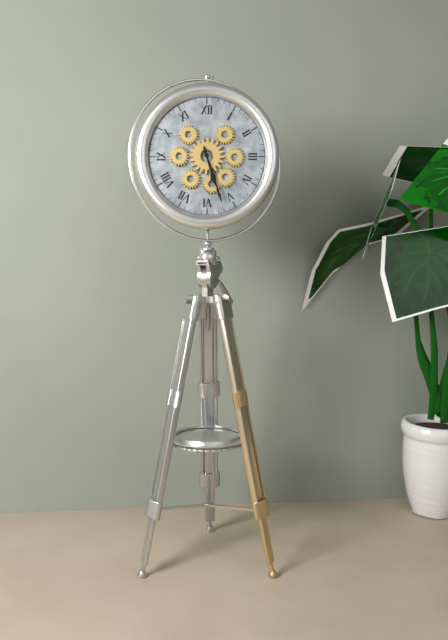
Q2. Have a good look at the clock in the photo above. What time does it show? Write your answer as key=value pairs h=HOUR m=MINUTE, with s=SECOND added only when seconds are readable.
h=5 m=27
